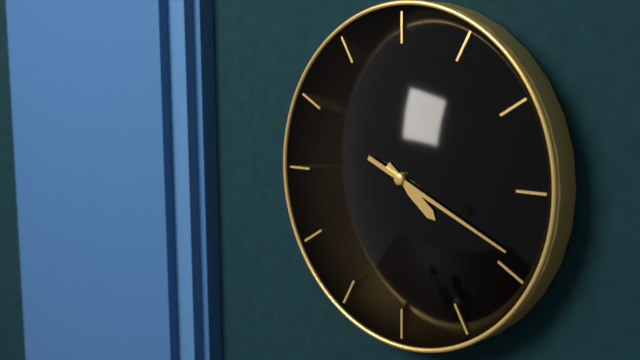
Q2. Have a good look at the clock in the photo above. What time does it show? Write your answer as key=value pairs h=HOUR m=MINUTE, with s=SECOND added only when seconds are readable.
h=4 m=19
